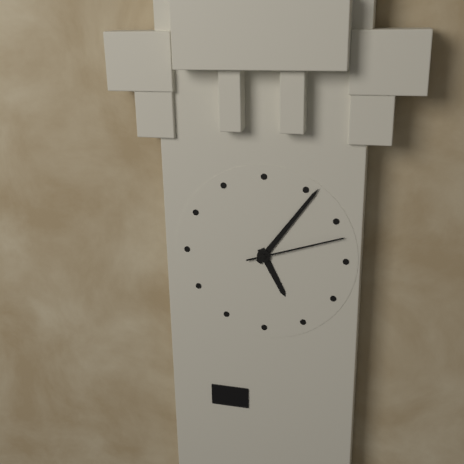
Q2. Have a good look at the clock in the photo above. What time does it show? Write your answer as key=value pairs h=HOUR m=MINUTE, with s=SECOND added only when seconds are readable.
h=5 m=6 s=12
